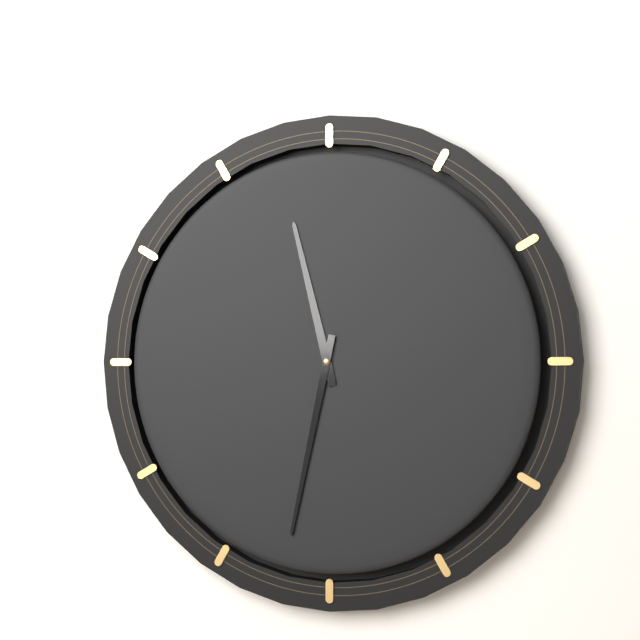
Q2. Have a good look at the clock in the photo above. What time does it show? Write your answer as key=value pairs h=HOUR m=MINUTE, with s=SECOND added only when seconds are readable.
h=11 m=32
